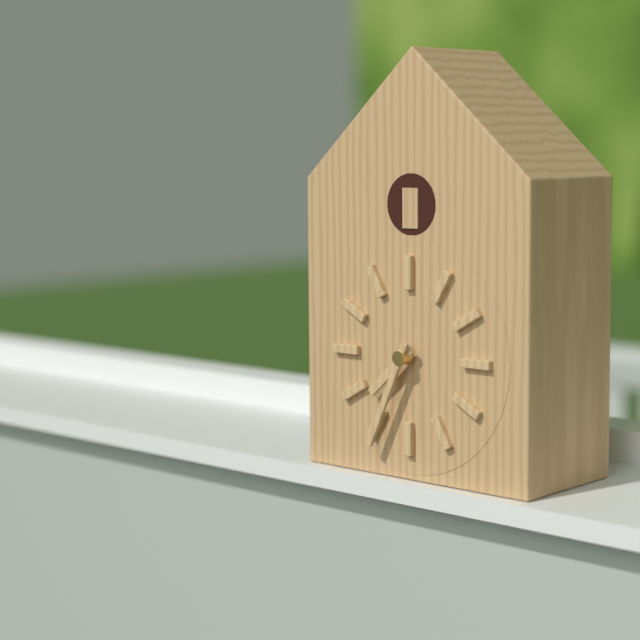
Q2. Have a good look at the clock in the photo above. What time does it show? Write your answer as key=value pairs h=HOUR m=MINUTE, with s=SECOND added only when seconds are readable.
h=7 m=34
